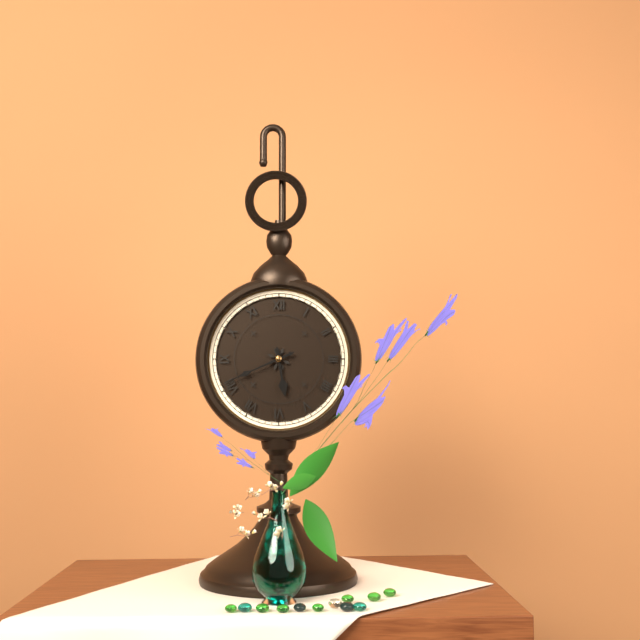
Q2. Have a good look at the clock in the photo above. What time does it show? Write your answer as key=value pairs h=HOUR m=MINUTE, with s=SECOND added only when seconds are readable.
h=5 m=41
